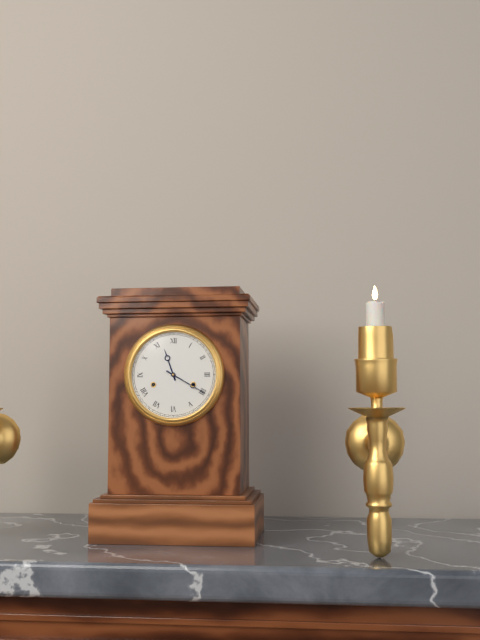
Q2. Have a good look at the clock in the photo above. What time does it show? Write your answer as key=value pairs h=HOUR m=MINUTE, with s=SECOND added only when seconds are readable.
h=11 m=20
